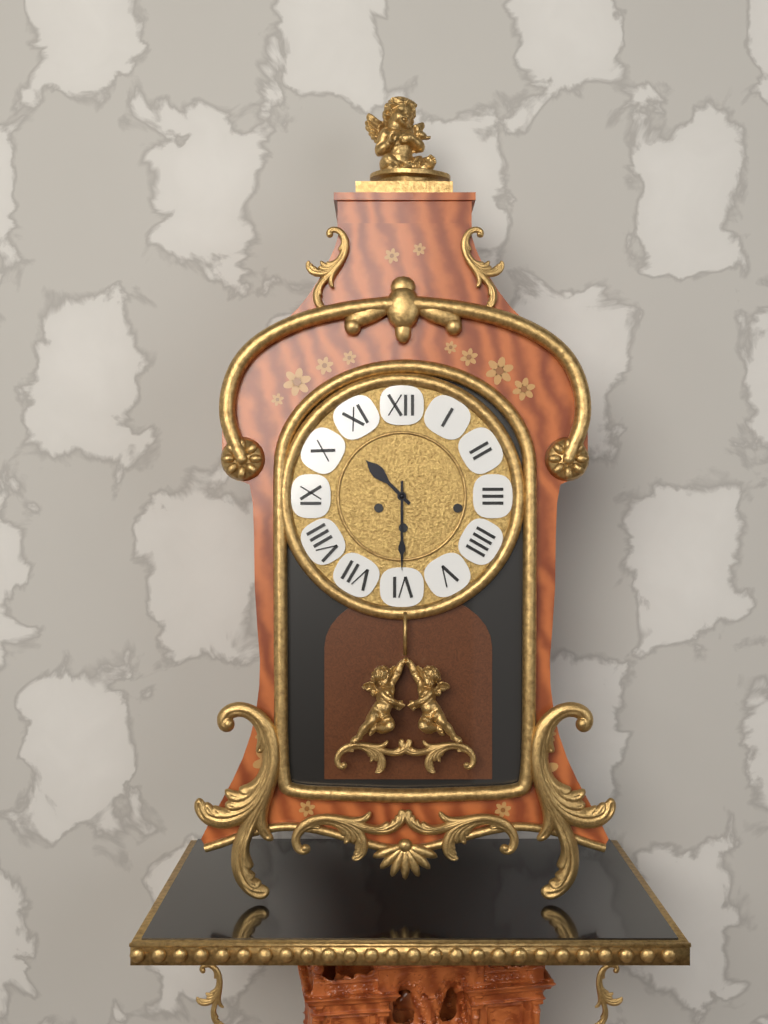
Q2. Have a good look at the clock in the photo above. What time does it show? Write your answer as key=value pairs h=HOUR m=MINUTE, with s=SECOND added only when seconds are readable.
h=10 m=30
